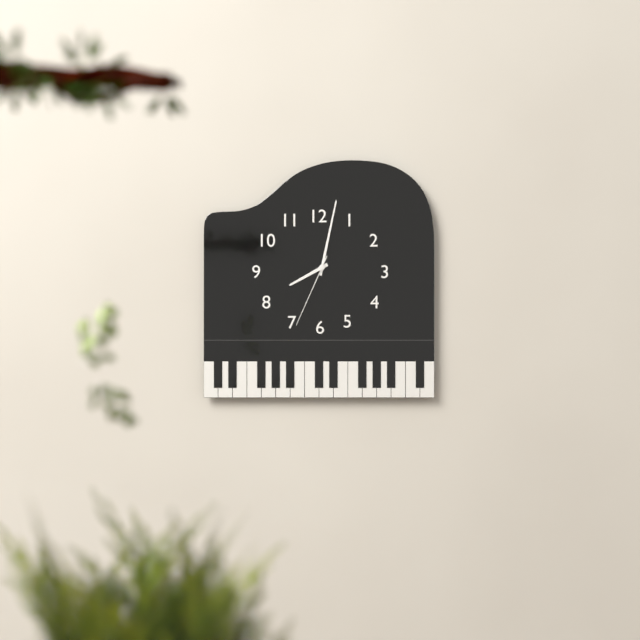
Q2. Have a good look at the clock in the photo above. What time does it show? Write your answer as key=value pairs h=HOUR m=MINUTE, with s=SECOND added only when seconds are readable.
h=8 m=2 s=34
